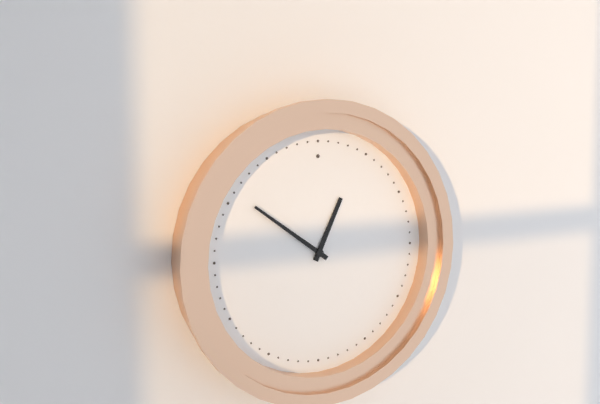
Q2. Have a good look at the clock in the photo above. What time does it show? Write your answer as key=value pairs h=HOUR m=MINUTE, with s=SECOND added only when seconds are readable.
h=12 m=51
